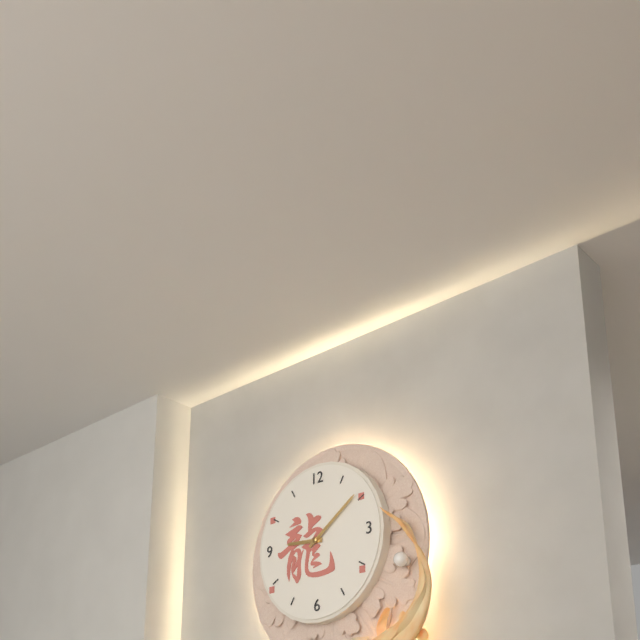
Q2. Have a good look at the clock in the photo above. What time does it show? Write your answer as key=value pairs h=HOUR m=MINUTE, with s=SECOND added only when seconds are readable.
h=9 m=9
